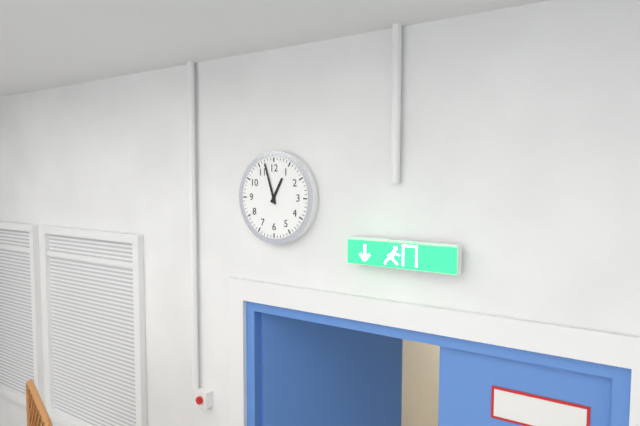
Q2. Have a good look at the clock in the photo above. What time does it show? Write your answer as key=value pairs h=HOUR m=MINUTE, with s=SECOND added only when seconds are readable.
h=12 m=57
